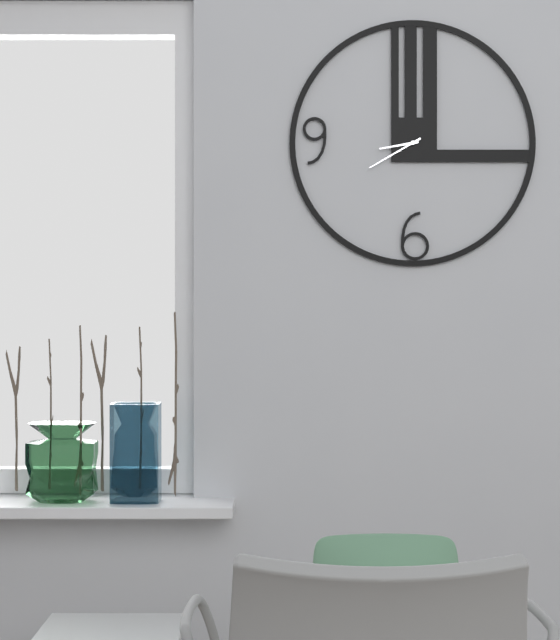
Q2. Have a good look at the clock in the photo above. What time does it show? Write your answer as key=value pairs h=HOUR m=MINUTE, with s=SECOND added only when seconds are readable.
h=8 m=40
